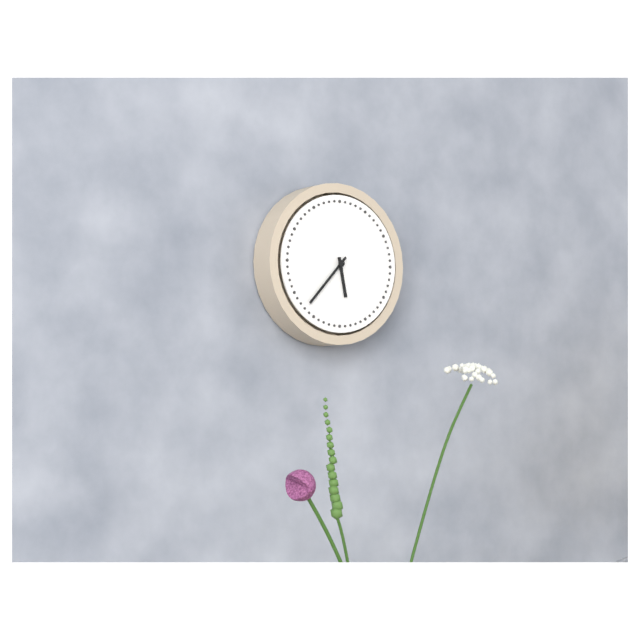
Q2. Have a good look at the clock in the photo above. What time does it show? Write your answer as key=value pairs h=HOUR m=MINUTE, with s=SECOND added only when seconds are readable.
h=5 m=37
